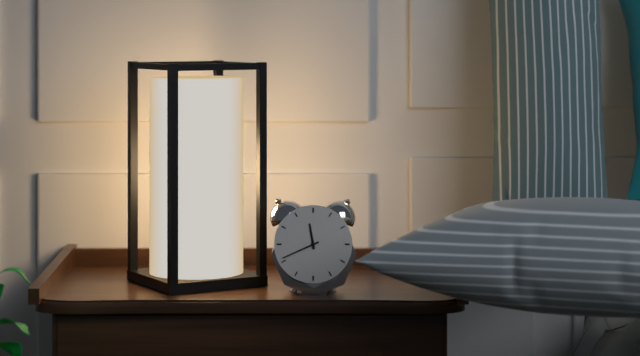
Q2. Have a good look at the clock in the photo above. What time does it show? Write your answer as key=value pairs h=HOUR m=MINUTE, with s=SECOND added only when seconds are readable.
h=11 m=41
